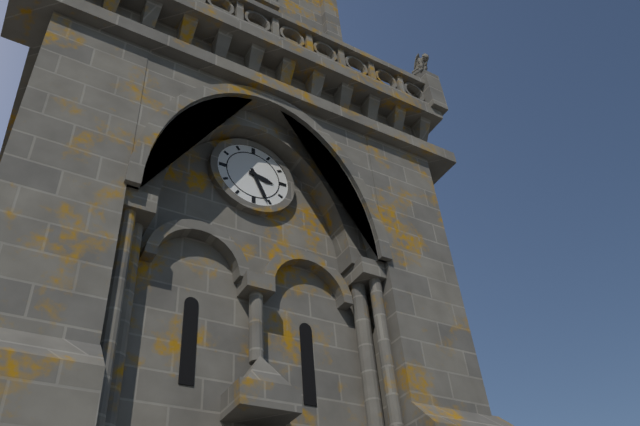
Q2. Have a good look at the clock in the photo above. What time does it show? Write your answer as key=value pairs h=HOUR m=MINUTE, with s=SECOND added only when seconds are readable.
h=3 m=26
